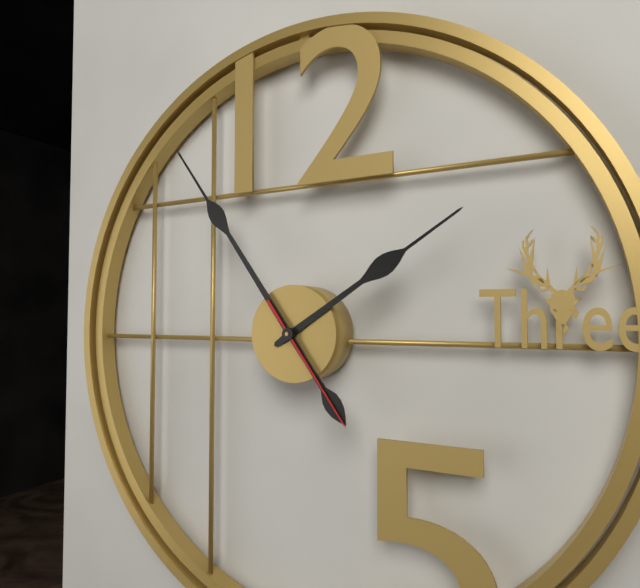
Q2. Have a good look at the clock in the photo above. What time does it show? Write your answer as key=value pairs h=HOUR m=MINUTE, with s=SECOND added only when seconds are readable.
h=1 m=54 s=24
